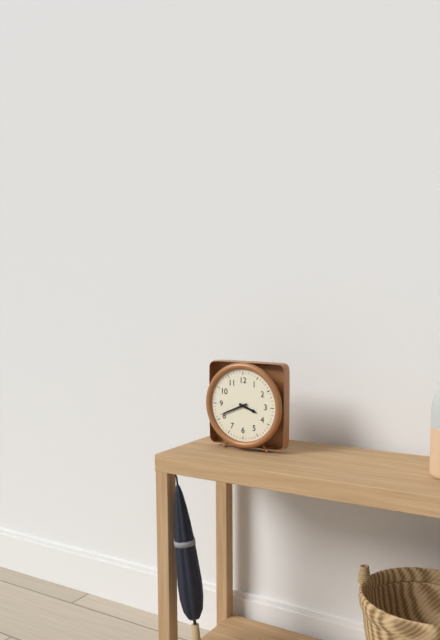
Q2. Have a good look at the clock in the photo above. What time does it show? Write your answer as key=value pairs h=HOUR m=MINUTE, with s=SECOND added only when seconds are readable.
h=3 m=41
